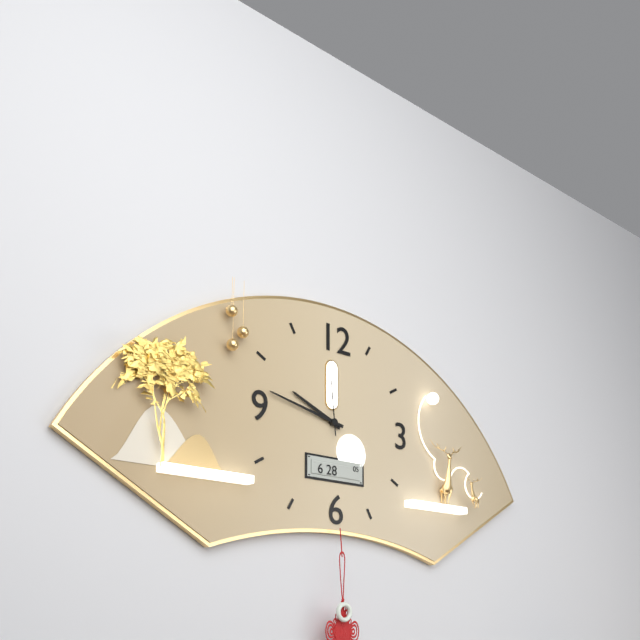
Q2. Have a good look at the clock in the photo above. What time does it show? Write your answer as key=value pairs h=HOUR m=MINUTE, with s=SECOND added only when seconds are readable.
h=9 m=47 s=59
